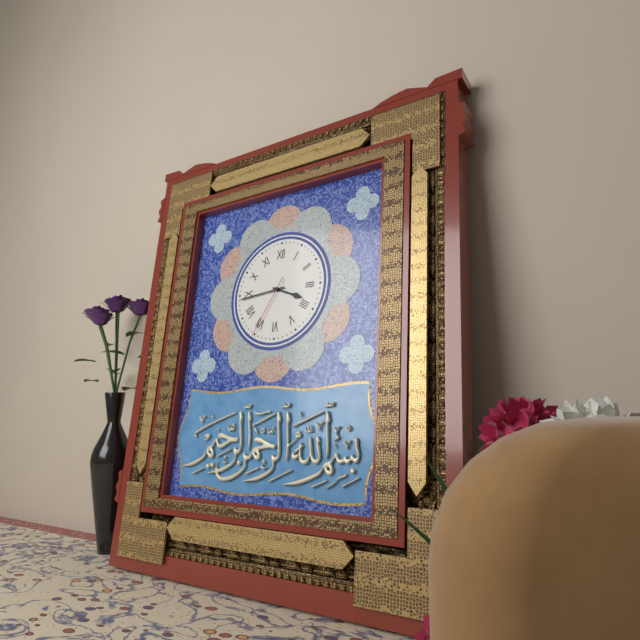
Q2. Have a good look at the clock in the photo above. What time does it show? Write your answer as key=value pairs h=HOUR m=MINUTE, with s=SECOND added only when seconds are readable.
h=3 m=44 s=35
